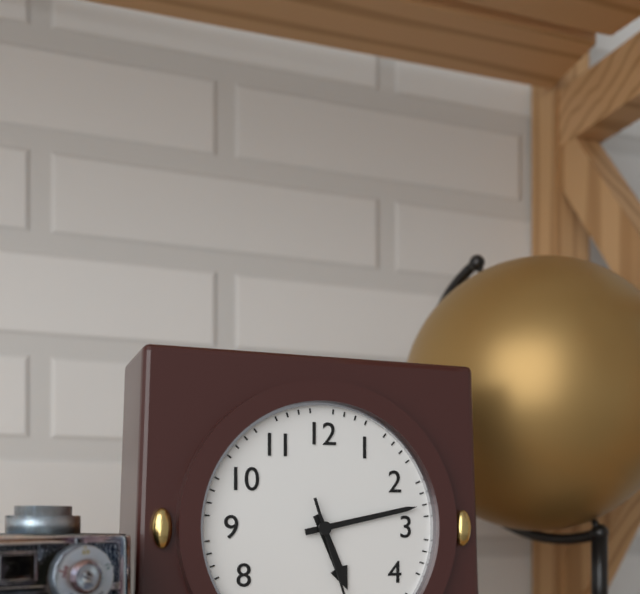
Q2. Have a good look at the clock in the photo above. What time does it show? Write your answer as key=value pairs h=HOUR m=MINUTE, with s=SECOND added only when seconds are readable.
h=5 m=13
